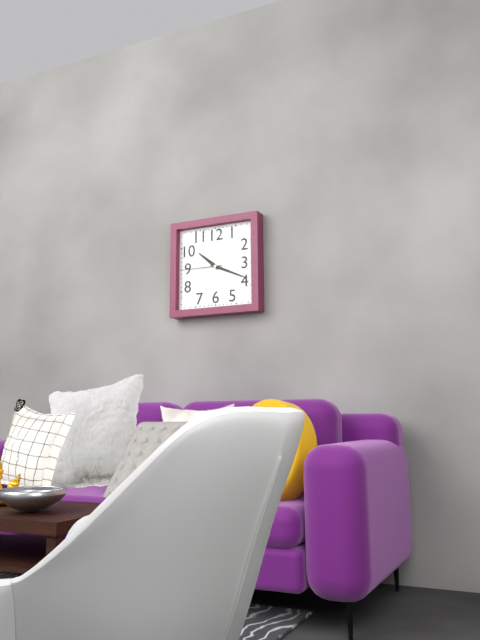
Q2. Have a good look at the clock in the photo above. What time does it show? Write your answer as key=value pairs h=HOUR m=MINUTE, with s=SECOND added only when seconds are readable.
h=10 m=19
